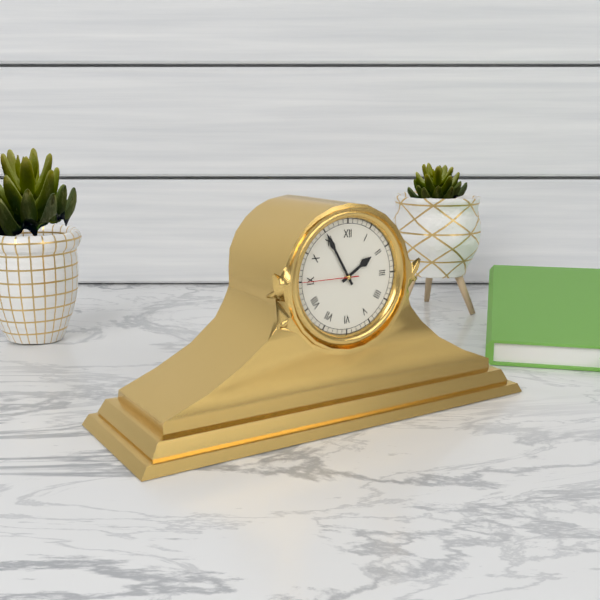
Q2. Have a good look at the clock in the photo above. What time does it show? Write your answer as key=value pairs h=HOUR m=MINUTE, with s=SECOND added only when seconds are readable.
h=1 m=55 s=45
